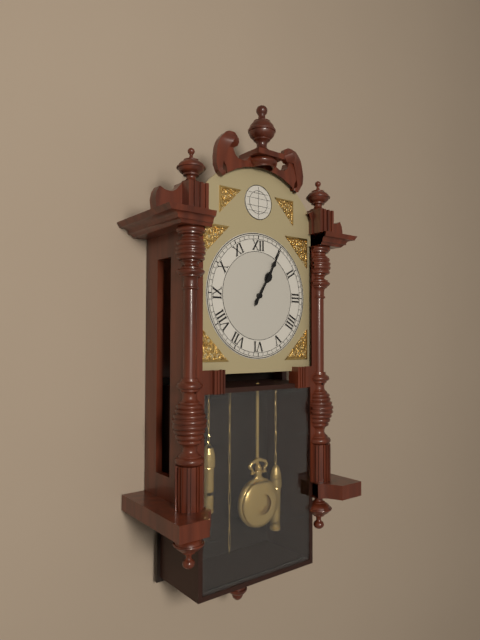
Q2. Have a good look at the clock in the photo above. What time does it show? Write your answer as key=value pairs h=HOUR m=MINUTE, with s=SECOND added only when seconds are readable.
h=1 m=5
